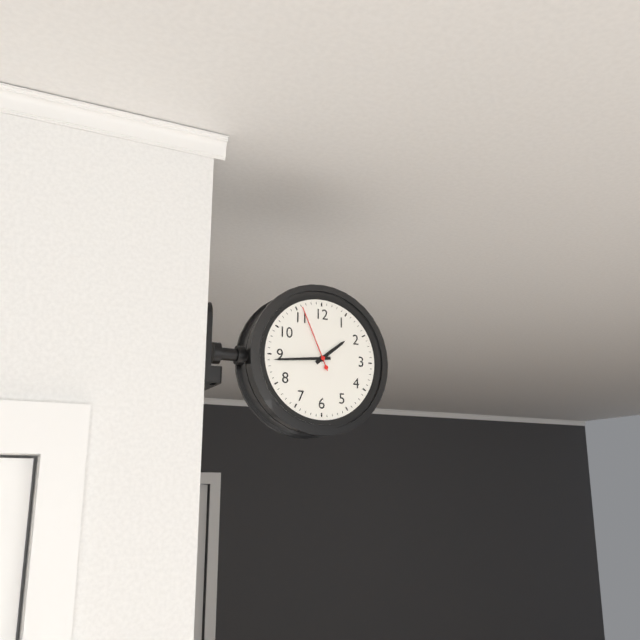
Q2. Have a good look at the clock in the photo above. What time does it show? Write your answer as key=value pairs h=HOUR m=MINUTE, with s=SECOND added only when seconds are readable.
h=1 m=44 s=56
